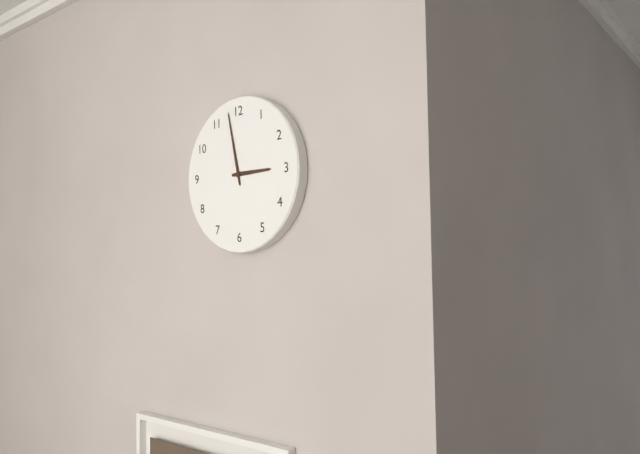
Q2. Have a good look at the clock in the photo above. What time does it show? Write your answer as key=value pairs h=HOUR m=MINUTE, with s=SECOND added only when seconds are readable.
h=2 m=58
